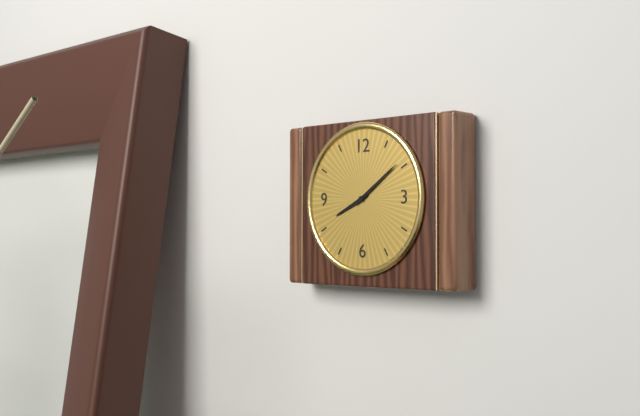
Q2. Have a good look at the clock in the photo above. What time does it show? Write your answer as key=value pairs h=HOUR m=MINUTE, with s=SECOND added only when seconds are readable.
h=8 m=9
